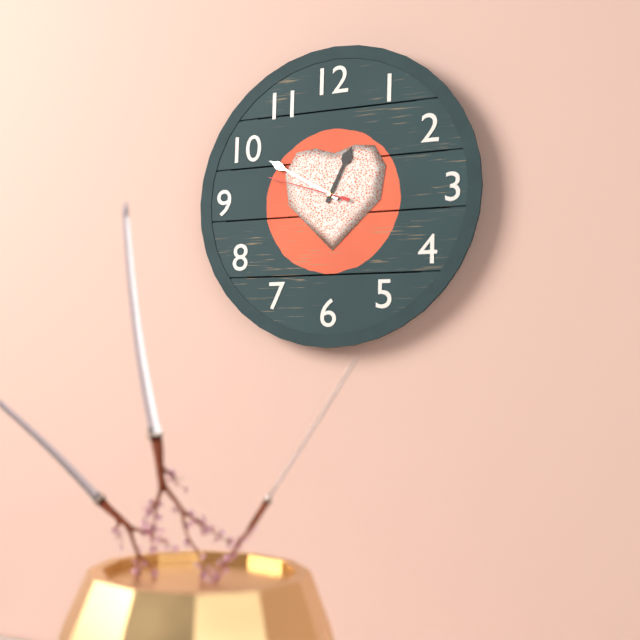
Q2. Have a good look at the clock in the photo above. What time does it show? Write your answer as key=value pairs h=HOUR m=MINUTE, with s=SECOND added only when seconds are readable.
h=12 m=50 s=48
